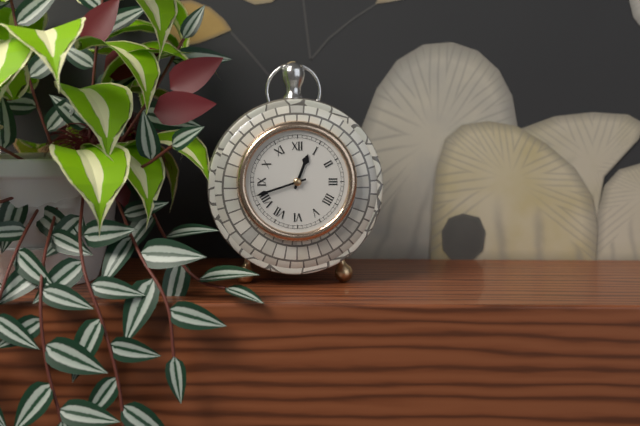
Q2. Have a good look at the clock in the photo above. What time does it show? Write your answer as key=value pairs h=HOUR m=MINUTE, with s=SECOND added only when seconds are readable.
h=12 m=42
